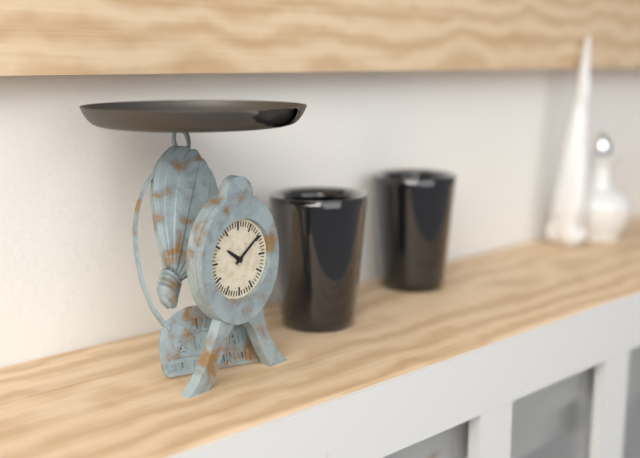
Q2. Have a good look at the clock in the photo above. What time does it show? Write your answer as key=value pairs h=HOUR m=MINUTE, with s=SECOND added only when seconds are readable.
h=10 m=9
